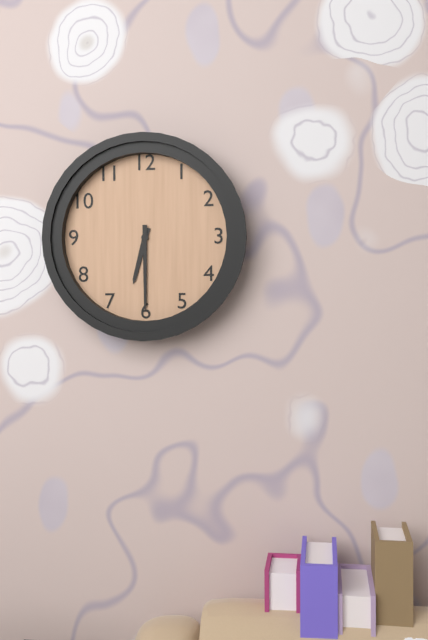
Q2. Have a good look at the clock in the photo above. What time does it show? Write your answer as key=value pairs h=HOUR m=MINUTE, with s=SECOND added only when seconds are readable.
h=6 m=30
